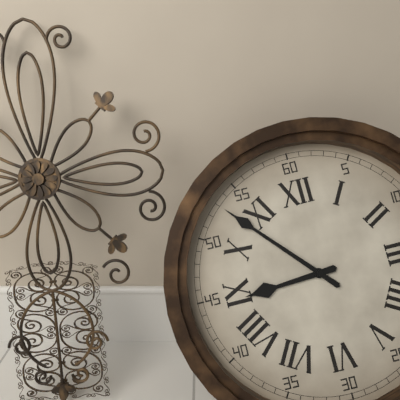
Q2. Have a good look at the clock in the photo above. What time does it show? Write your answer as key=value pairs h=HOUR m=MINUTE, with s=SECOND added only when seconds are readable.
h=8 m=53
